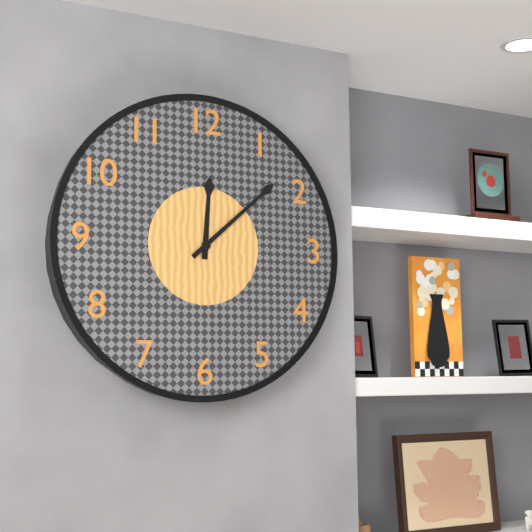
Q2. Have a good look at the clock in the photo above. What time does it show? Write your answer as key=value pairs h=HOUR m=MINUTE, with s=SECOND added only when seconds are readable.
h=12 m=8
